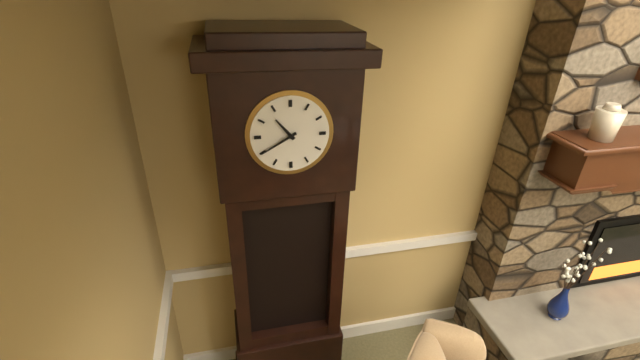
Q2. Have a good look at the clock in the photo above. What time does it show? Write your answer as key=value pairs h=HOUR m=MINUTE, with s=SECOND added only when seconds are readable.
h=10 m=40
